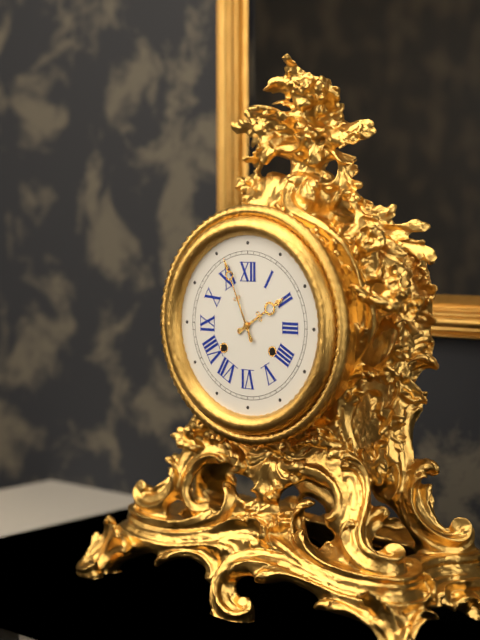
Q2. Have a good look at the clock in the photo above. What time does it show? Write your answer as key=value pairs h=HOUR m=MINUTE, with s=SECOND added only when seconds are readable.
h=1 m=56
